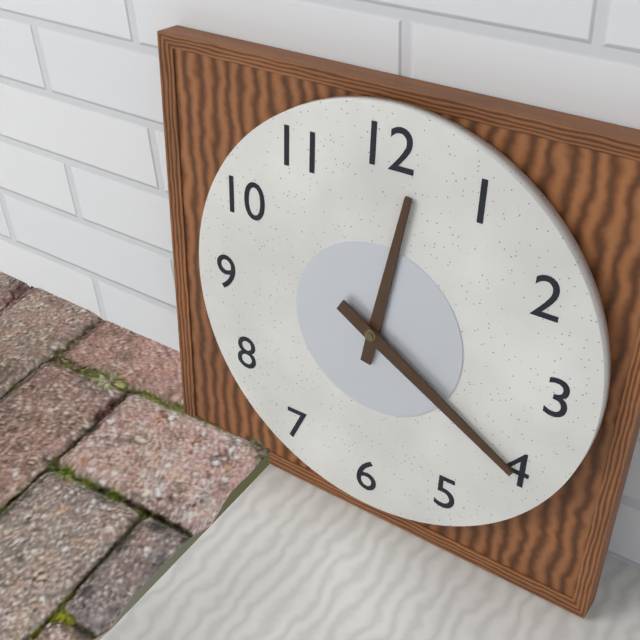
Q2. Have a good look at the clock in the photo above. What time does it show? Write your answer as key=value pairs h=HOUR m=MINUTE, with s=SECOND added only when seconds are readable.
h=12 m=20
